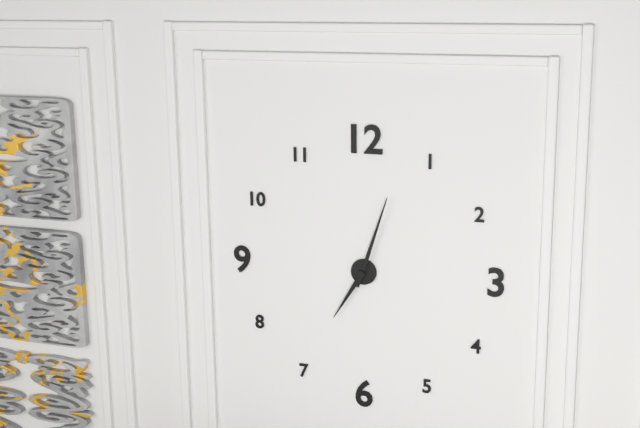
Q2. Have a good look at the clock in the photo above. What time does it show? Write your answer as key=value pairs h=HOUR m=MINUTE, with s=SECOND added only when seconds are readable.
h=7 m=3
